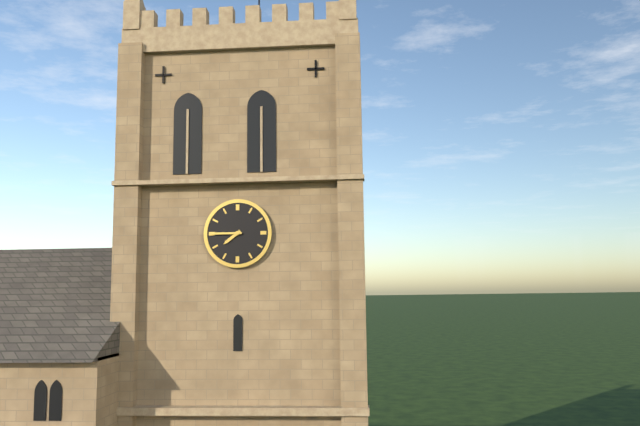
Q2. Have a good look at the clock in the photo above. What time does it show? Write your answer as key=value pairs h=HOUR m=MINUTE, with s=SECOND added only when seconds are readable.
h=7 m=45
